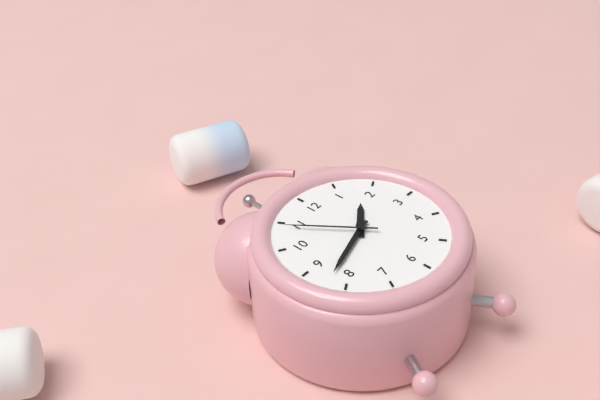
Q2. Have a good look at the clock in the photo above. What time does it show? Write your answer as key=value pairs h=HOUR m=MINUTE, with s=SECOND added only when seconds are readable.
h=1 m=42 s=54
